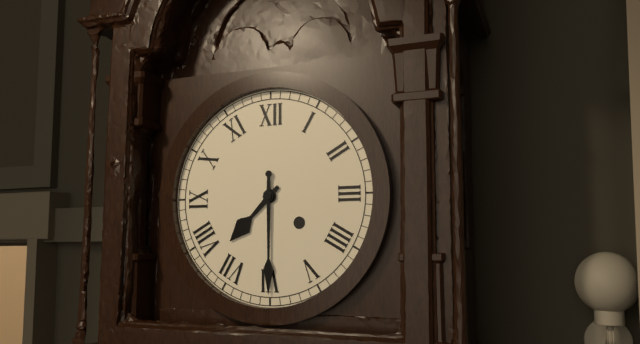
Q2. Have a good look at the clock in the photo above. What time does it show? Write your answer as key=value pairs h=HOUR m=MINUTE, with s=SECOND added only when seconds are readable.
h=7 m=30
